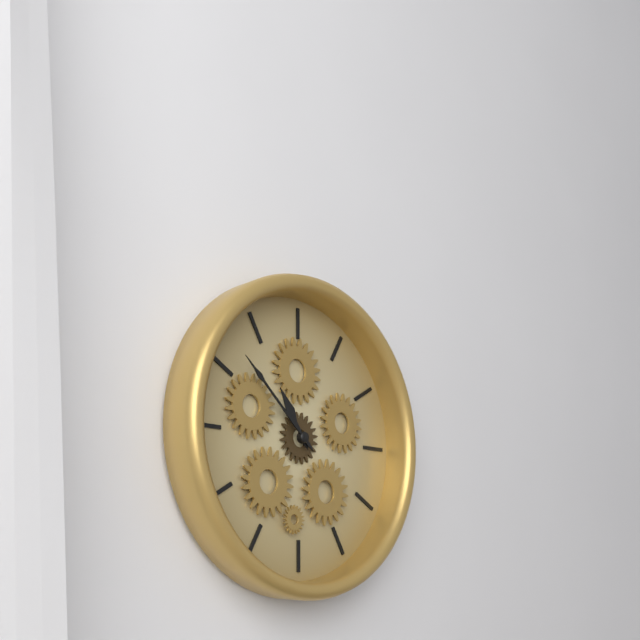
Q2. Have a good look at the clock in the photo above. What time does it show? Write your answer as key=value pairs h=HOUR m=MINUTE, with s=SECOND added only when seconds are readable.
h=10 m=52
